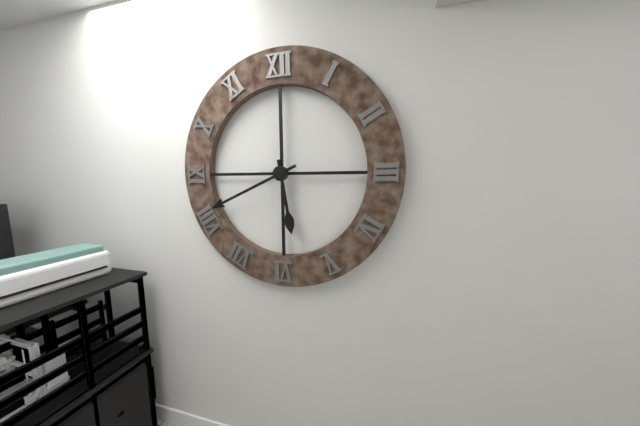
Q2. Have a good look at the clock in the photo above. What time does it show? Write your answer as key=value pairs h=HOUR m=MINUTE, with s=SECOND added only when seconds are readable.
h=5 m=41
